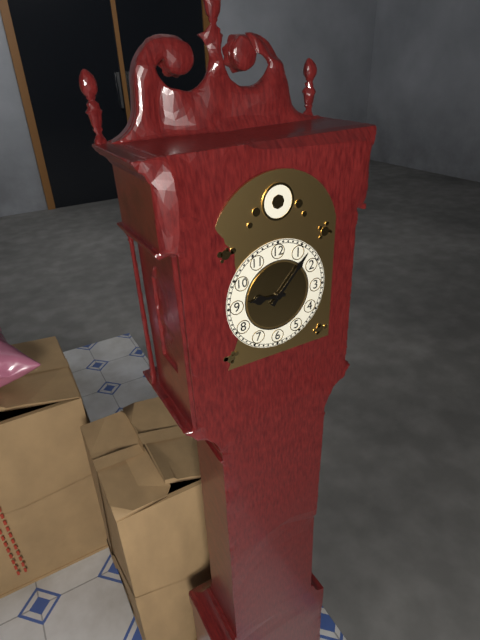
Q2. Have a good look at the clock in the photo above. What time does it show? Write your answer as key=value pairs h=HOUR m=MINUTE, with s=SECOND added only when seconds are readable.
h=9 m=7
